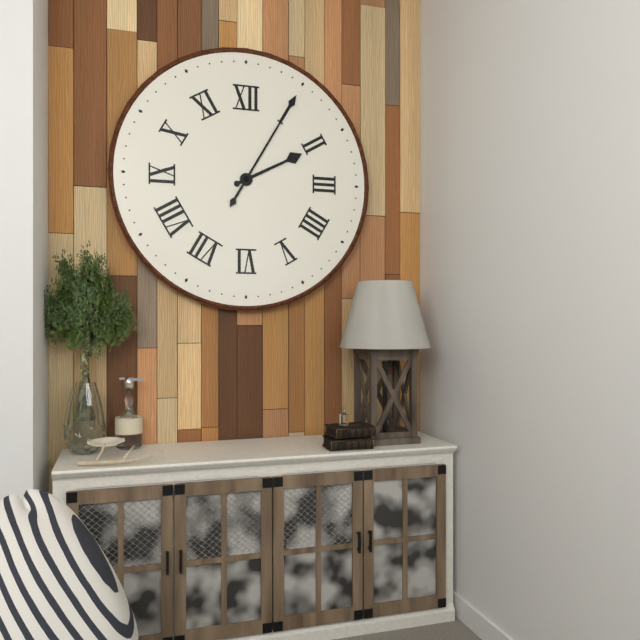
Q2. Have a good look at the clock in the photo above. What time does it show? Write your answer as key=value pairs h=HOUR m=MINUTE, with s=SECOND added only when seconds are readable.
h=2 m=5
